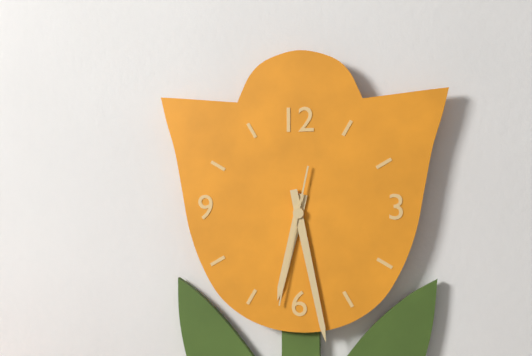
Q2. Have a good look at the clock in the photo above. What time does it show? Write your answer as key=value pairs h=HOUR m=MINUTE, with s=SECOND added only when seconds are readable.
h=6 m=28 s=32
